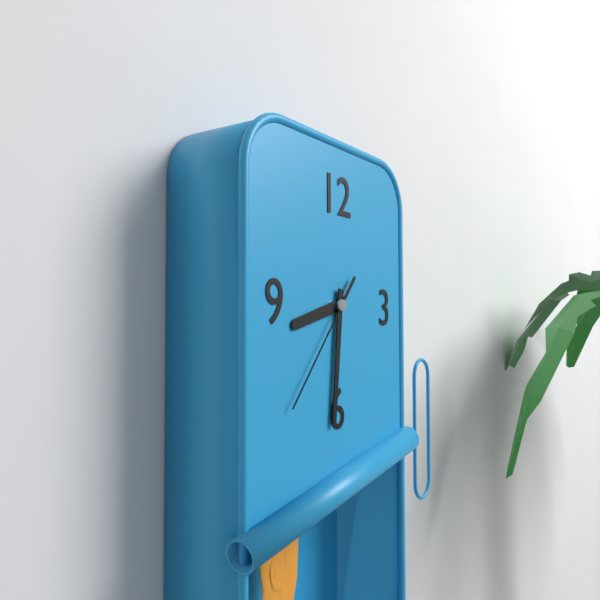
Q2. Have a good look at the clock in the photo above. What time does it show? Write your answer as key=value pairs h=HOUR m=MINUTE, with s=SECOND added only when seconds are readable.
h=8 m=31 s=37
